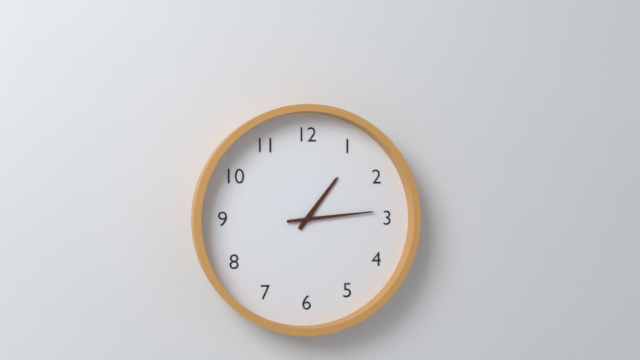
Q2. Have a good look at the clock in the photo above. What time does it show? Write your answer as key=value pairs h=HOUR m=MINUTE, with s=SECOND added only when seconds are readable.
h=1 m=14
